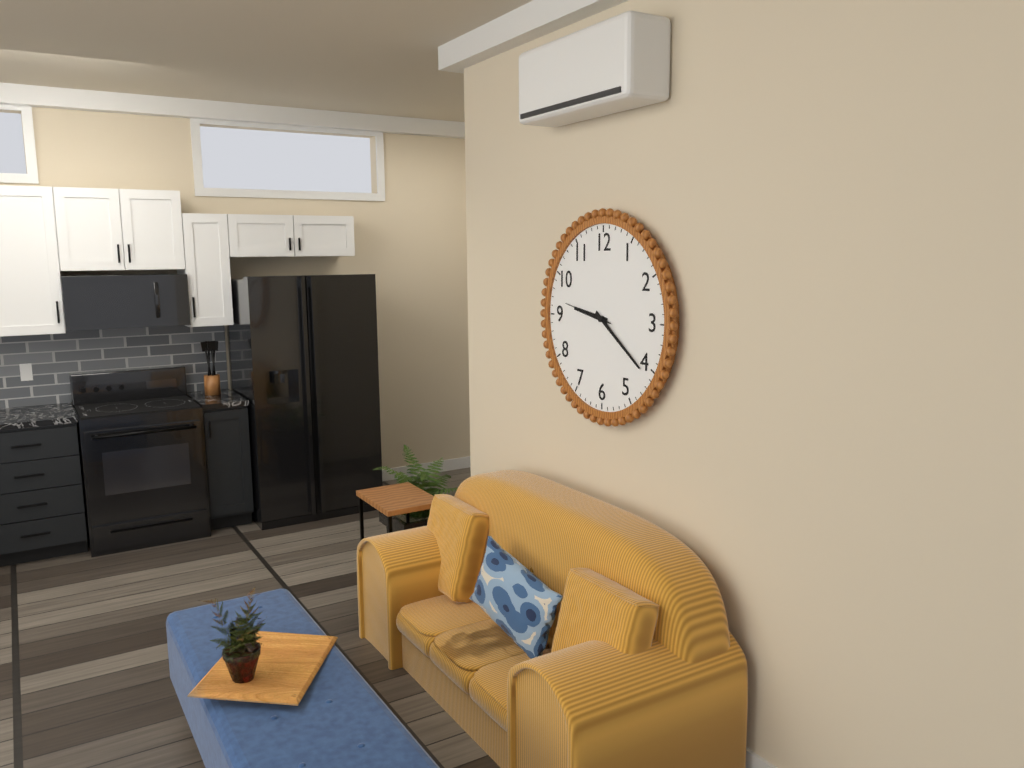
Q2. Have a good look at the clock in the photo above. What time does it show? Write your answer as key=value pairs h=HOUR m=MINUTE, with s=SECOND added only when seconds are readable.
h=9 m=21 s=47
